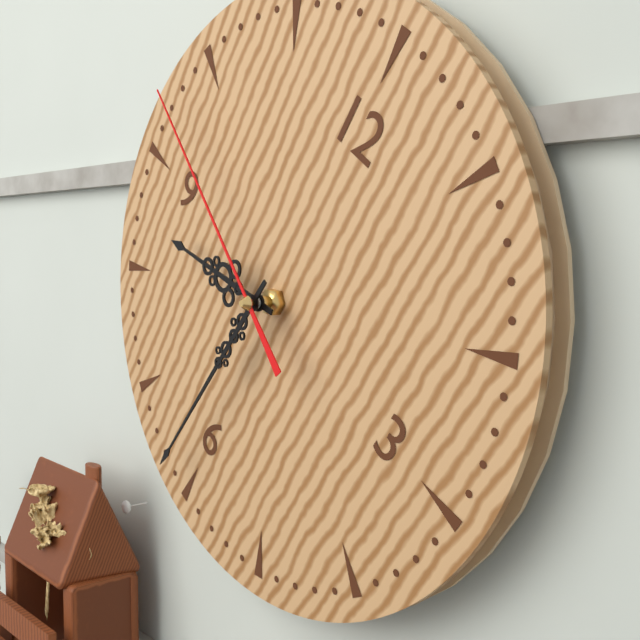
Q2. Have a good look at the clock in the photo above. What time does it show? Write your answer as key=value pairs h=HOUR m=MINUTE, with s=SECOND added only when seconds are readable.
h=8 m=31 s=48
